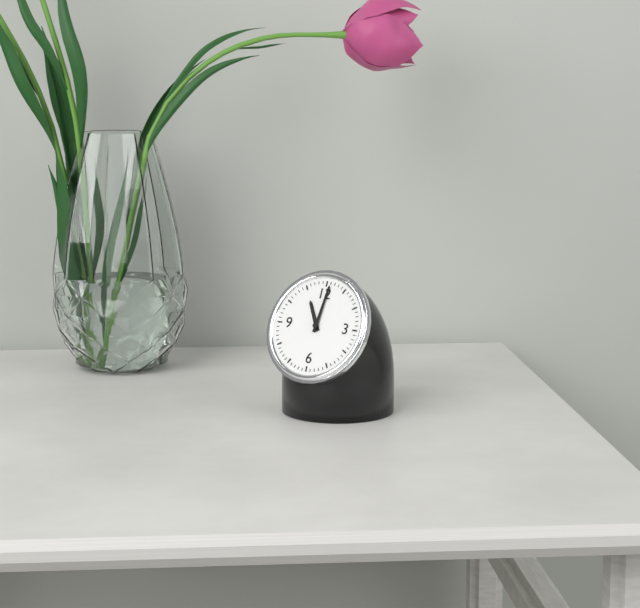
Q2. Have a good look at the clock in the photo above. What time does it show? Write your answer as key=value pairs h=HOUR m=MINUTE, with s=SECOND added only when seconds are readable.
h=11 m=1
